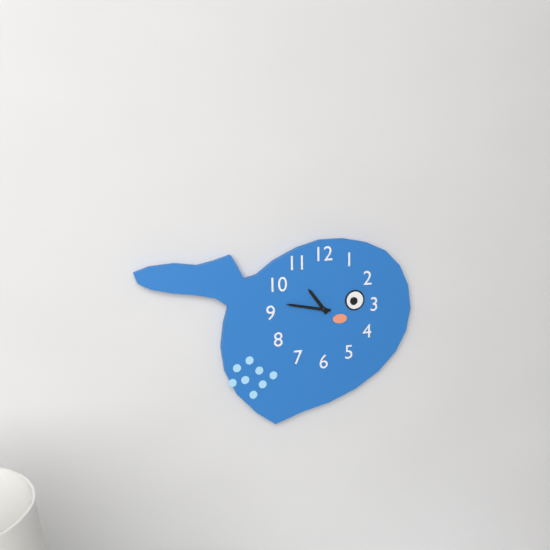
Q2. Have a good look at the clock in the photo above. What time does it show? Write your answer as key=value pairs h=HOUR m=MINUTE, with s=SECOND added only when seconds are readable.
h=10 m=47
